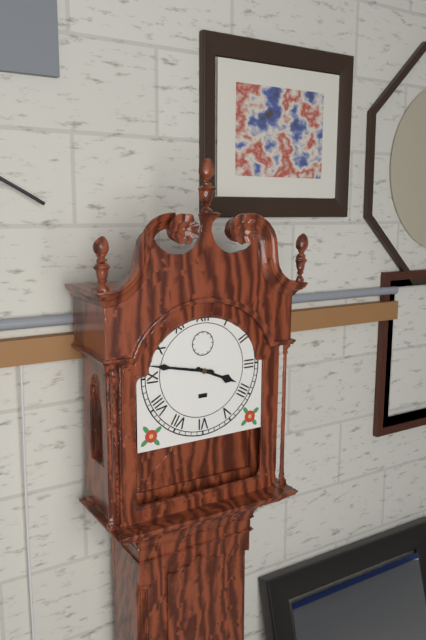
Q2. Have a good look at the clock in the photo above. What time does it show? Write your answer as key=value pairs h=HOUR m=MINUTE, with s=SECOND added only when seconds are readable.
h=3 m=47
